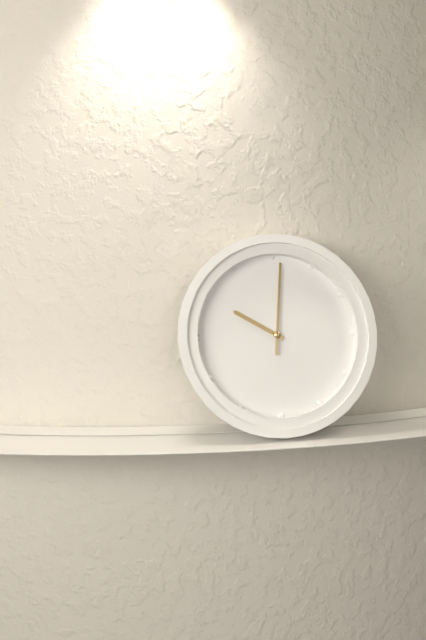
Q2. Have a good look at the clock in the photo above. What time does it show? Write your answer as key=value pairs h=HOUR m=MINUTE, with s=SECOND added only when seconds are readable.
h=10 m=1
